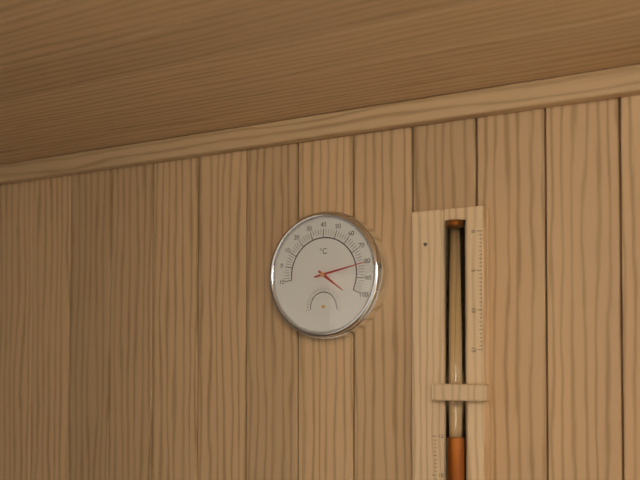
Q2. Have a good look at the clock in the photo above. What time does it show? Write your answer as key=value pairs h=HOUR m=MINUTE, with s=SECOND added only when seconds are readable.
h=4 m=13
